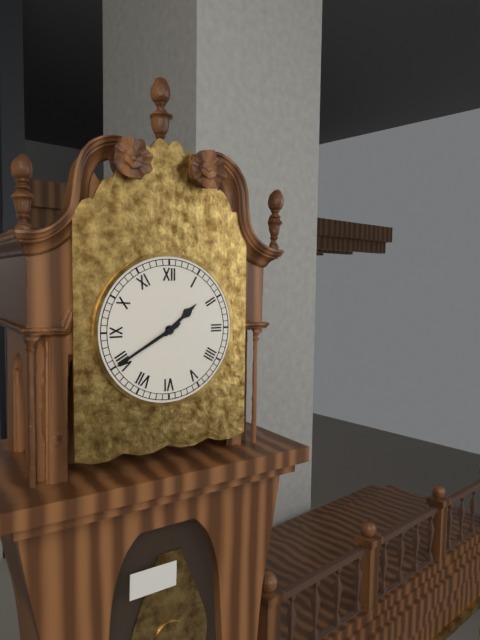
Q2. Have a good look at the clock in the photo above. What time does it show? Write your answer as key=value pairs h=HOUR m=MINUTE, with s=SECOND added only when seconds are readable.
h=1 m=40
